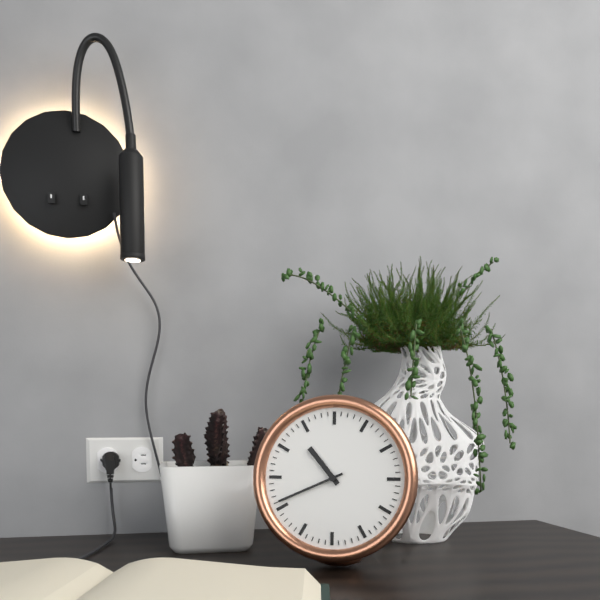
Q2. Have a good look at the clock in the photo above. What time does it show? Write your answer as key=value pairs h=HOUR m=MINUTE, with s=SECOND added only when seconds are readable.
h=10 m=41
